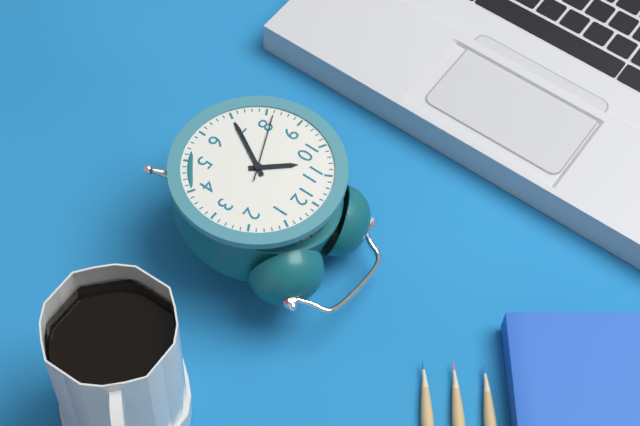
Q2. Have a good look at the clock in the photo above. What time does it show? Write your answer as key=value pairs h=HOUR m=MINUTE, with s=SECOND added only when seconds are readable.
h=10 m=35 s=41
